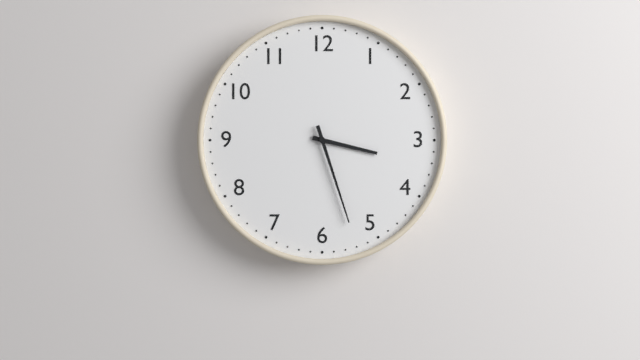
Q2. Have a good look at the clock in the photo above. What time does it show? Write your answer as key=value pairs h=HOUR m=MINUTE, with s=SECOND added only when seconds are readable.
h=3 m=27
